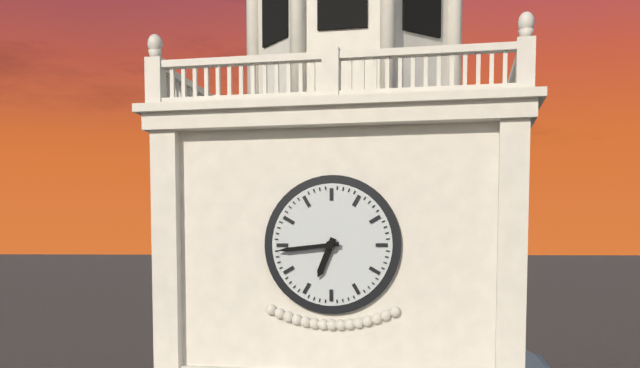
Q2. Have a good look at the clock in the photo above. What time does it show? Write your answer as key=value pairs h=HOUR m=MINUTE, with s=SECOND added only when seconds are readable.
h=6 m=44
